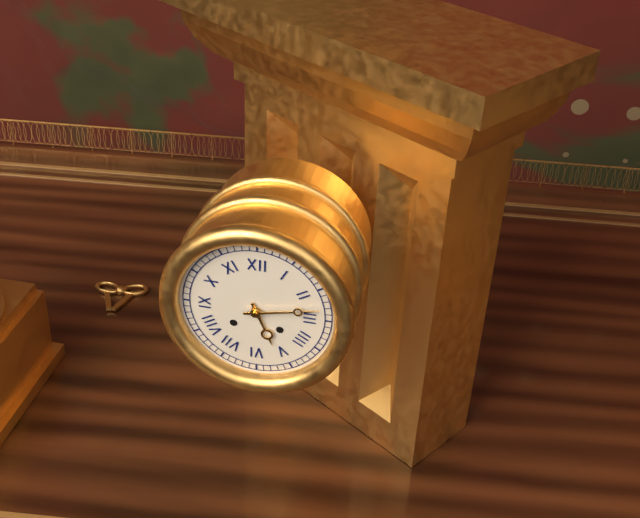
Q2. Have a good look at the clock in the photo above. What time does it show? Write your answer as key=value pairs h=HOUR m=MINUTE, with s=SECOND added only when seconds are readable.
h=5 m=13
